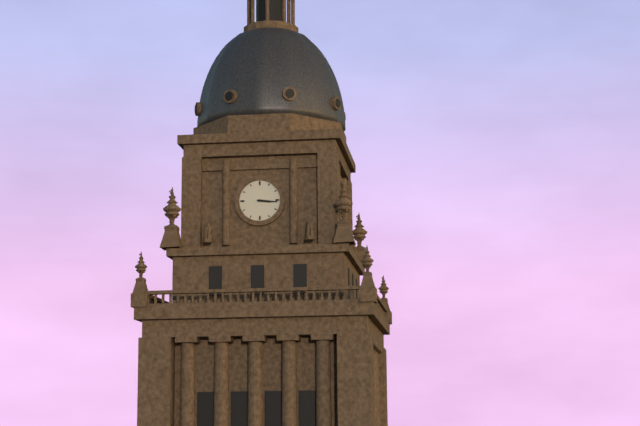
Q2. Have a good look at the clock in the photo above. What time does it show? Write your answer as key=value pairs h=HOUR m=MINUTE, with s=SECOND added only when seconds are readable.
h=3 m=16
